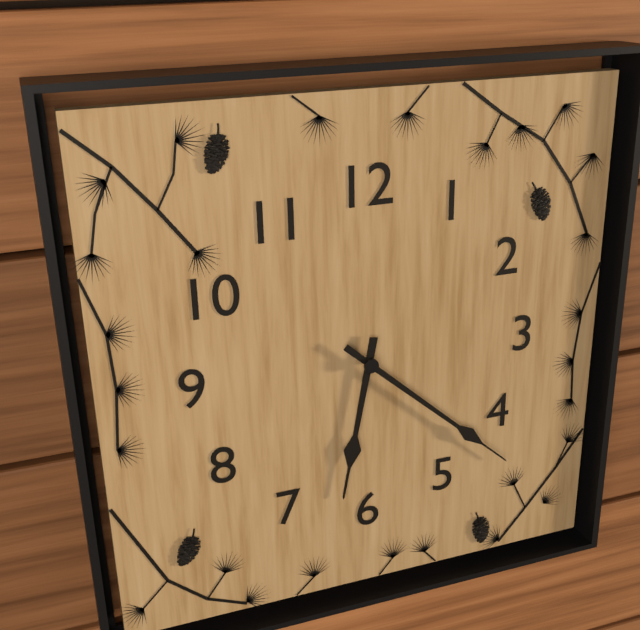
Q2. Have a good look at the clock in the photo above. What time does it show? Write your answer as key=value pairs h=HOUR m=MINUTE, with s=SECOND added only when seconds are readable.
h=6 m=22
